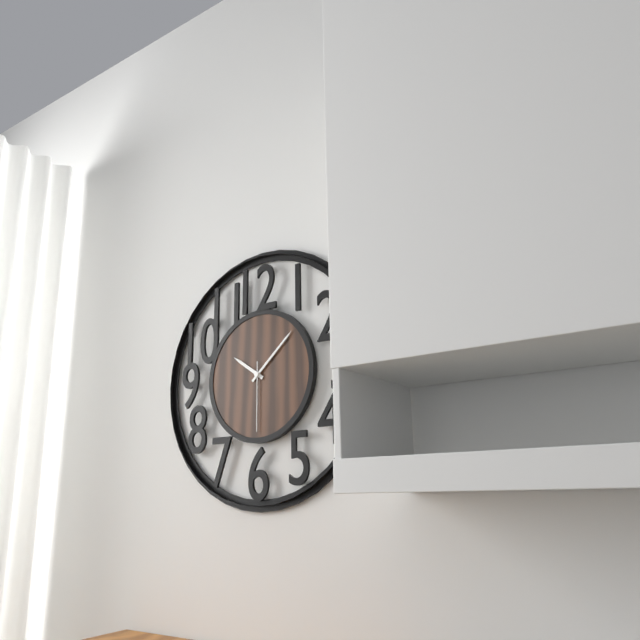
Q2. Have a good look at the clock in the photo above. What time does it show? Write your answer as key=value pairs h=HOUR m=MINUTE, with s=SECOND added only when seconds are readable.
h=10 m=8 s=30
